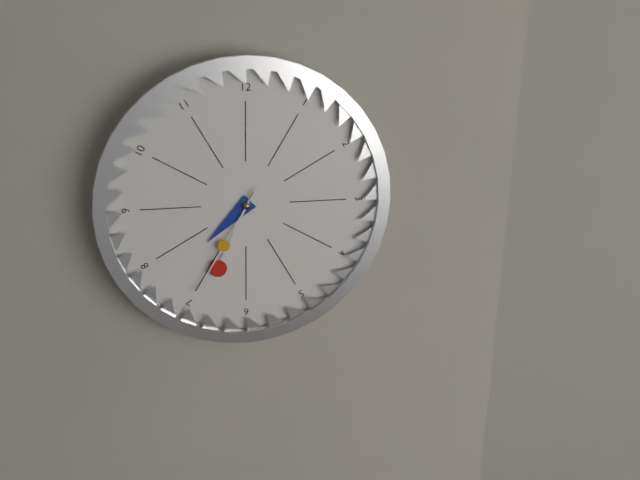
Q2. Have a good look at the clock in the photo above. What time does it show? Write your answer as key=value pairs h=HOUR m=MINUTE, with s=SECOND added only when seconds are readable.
h=7 m=34 s=35
